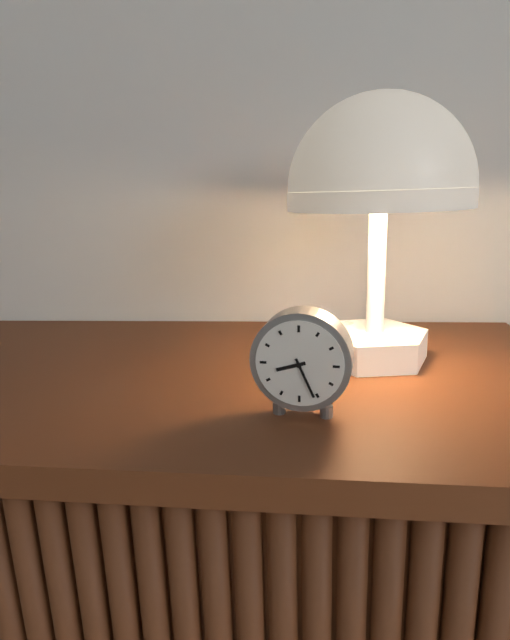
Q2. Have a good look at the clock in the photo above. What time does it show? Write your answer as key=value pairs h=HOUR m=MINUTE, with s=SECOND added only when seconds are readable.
h=8 m=26
